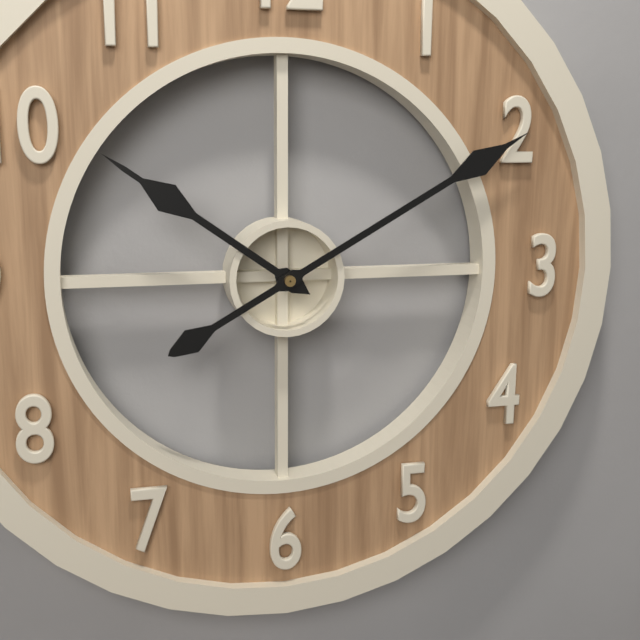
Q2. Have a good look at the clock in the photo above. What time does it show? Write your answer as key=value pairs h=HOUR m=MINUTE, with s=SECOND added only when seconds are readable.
h=10 m=10
